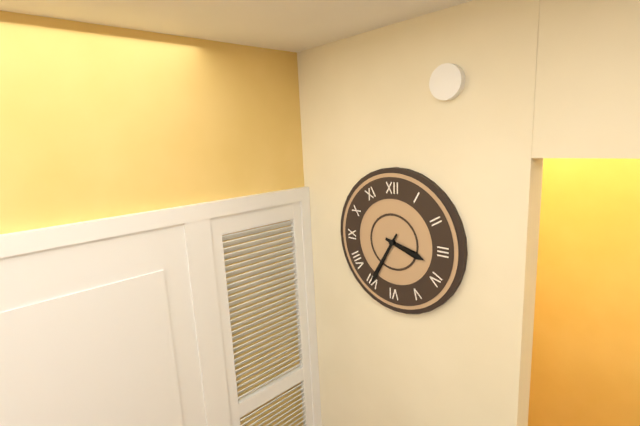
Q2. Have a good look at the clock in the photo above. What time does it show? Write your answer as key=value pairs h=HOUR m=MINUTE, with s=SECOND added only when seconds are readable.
h=3 m=35
